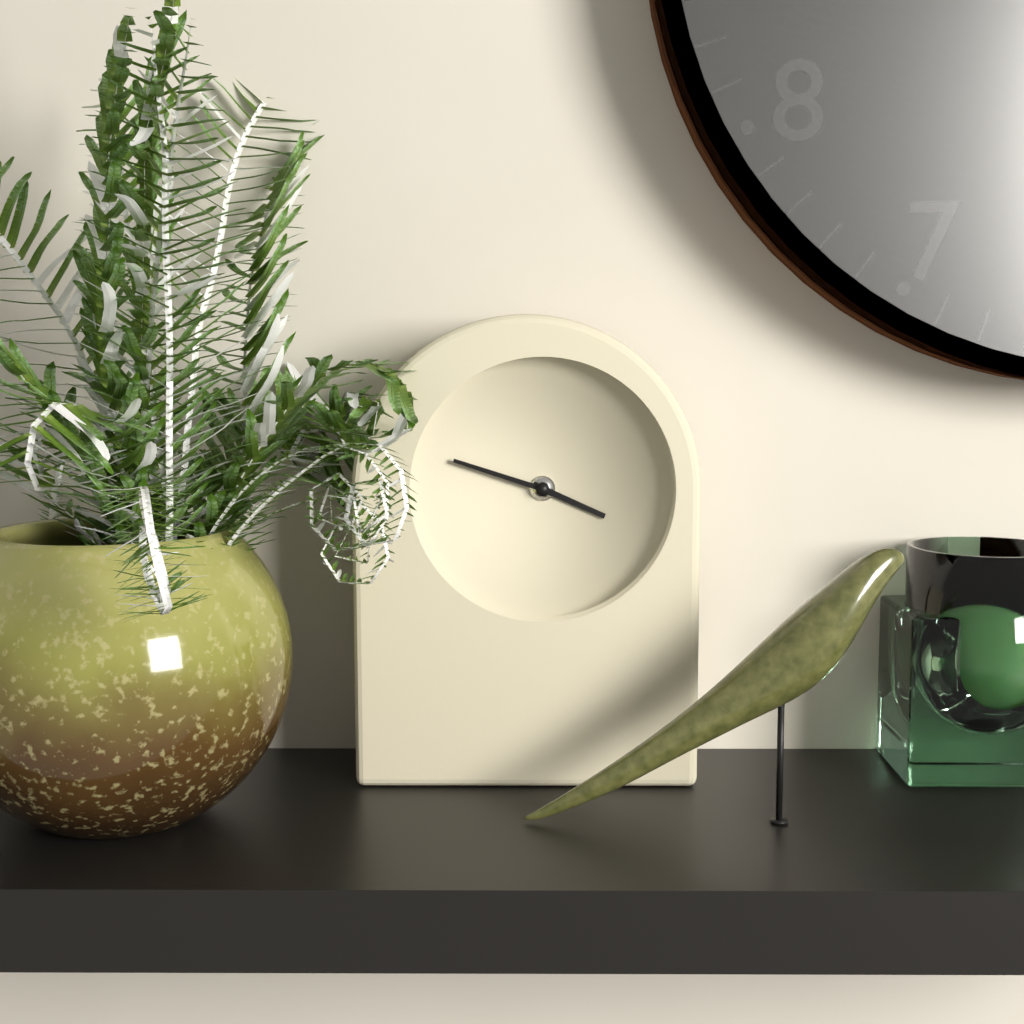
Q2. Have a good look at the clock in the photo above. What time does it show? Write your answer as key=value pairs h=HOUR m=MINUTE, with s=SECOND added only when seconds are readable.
h=3 m=48
